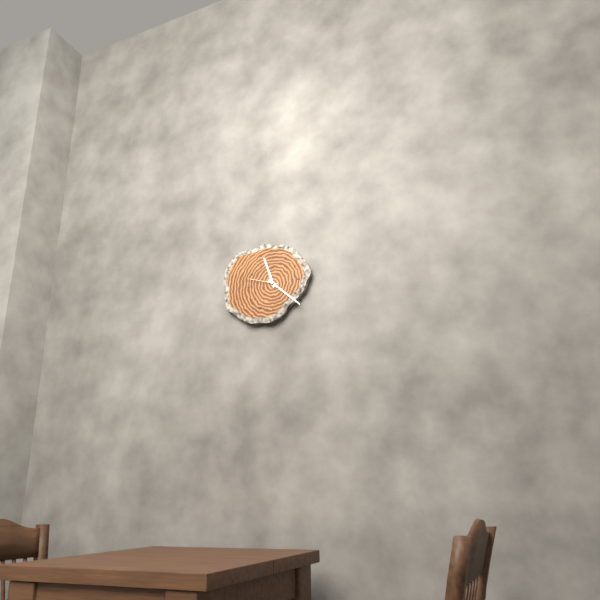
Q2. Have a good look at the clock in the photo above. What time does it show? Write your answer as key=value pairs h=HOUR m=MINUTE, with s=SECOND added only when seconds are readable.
h=11 m=22
